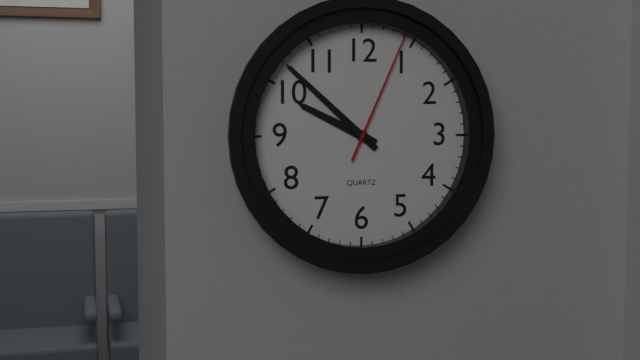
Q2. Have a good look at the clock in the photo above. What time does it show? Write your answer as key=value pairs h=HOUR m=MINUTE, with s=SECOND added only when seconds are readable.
h=9 m=52 s=4
